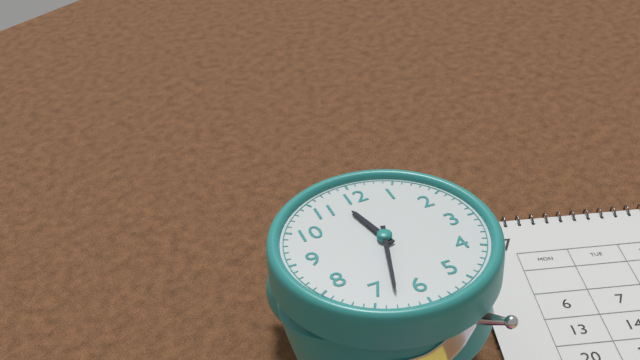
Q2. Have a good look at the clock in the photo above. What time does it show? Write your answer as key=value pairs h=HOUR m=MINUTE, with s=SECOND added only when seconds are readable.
h=11 m=33
